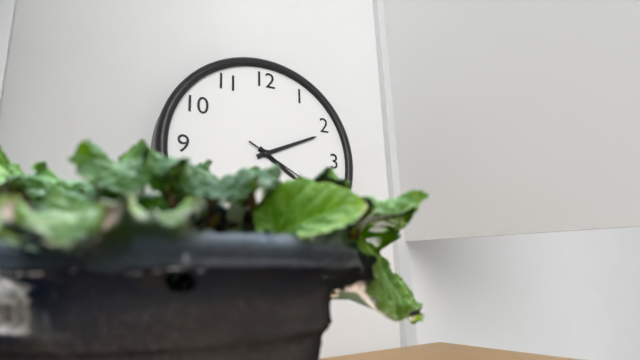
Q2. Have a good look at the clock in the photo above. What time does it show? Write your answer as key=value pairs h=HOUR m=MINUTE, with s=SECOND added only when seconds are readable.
h=4 m=11
